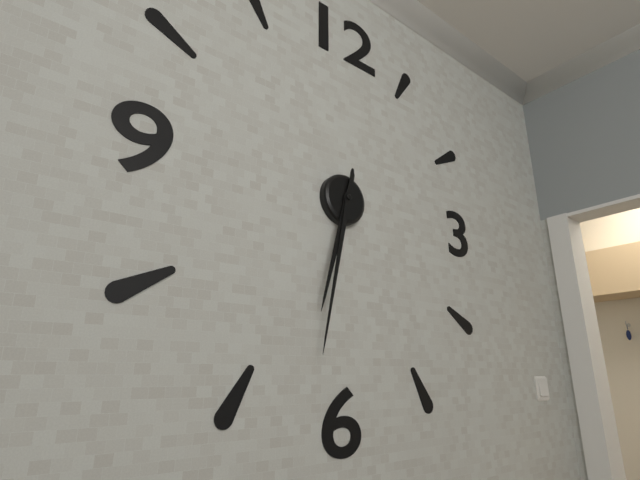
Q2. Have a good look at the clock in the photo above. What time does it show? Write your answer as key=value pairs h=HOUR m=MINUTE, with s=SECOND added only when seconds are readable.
h=6 m=32
